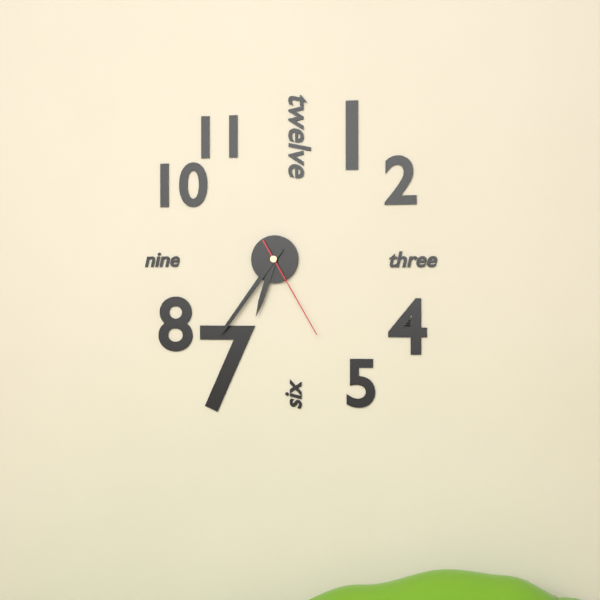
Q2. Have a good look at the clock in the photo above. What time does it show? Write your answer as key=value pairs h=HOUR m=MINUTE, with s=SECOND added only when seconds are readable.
h=6 m=36 s=25
